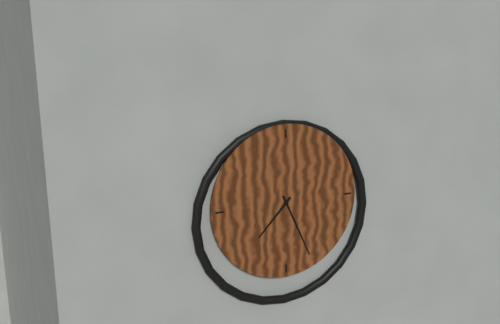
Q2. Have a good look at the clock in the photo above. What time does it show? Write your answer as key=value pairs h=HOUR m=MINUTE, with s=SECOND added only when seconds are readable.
h=7 m=26
